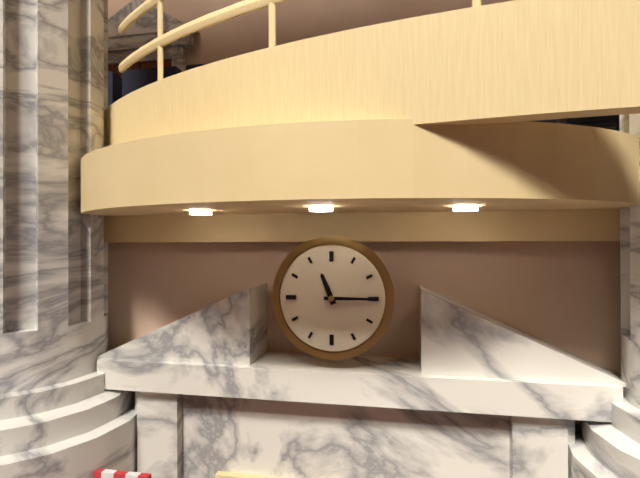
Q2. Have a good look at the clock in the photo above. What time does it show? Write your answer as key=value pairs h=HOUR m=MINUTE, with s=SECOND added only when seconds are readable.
h=11 m=15
